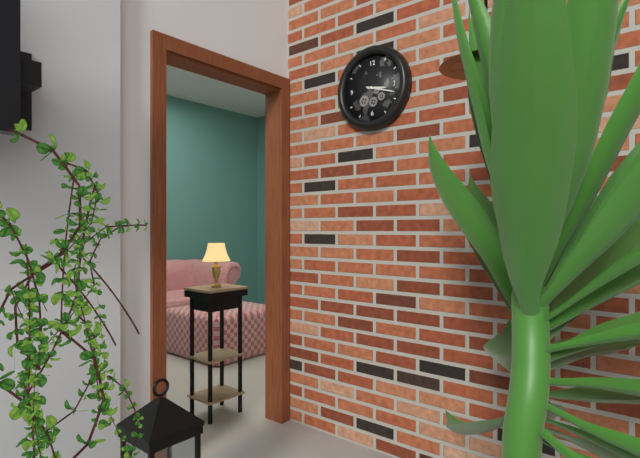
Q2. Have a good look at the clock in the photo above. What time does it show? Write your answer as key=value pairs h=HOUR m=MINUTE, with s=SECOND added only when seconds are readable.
h=3 m=18
